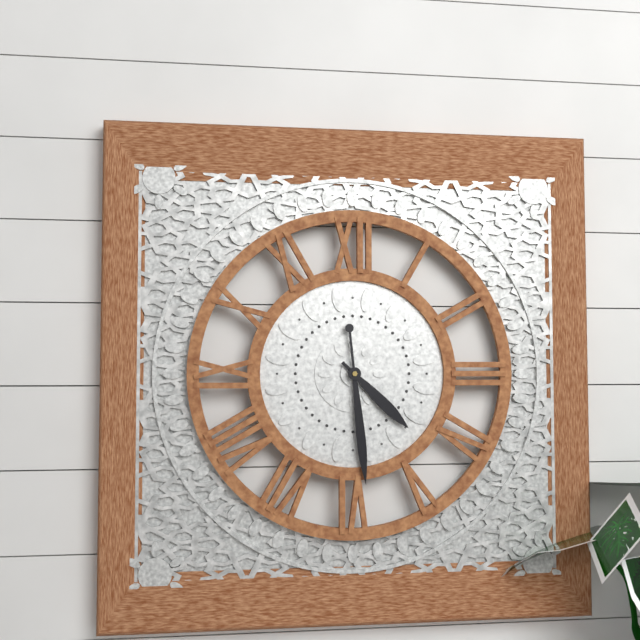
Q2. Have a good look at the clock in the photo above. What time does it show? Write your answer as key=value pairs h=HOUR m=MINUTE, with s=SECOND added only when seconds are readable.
h=4 m=29
